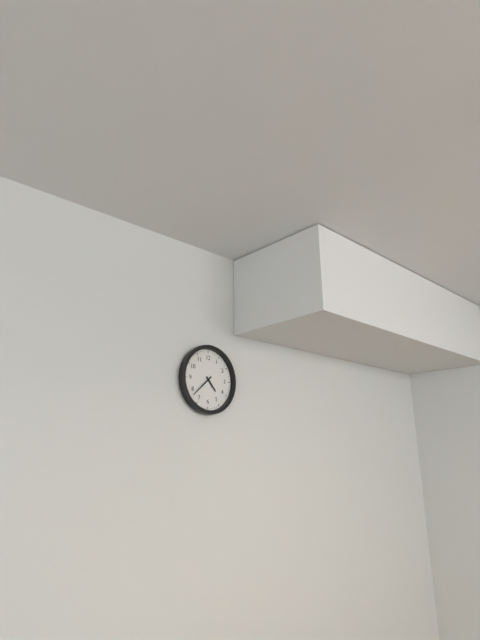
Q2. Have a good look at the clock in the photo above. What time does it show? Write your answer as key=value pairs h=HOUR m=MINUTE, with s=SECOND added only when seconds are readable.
h=4 m=38
